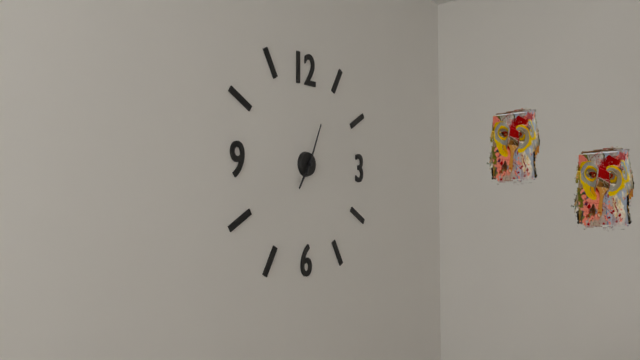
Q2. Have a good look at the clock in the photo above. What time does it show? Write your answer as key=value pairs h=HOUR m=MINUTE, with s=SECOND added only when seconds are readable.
h=7 m=4
